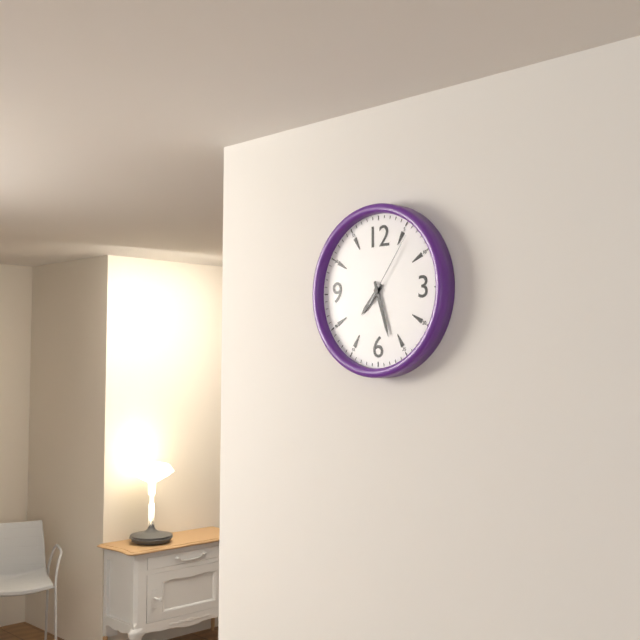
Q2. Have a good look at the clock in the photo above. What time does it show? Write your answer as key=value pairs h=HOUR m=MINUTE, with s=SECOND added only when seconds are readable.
h=7 m=27 s=6
